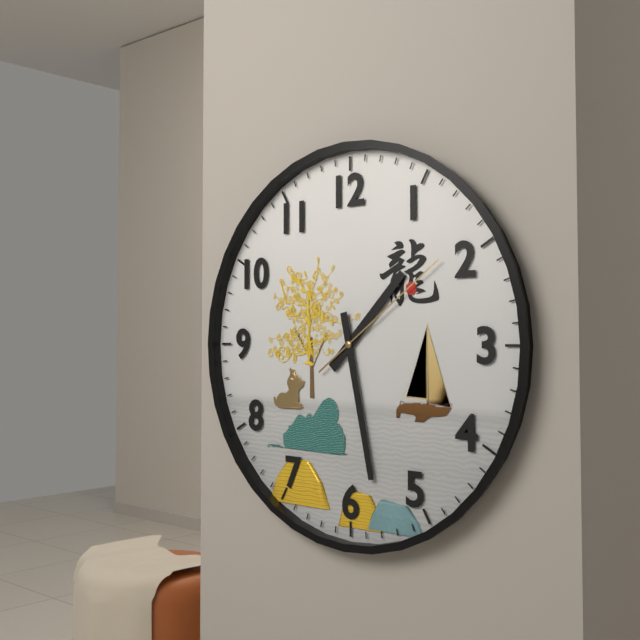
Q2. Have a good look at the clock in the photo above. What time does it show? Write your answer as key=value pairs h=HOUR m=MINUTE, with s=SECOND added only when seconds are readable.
h=1 m=28 s=9
